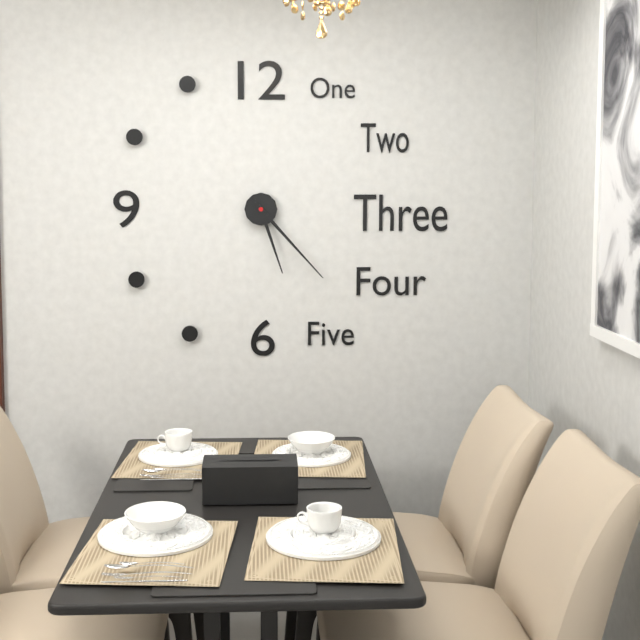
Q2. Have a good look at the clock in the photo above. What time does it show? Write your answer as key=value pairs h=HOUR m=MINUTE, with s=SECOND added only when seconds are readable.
h=5 m=23
